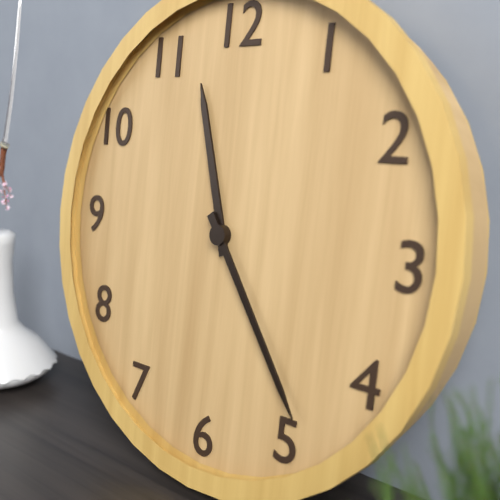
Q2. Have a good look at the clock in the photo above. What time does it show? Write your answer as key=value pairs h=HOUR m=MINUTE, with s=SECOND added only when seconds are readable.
h=11 m=24
